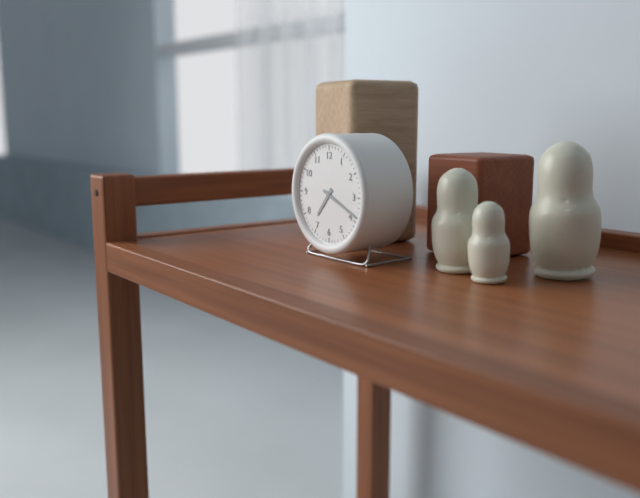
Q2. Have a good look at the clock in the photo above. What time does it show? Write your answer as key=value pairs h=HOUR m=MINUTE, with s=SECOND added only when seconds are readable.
h=7 m=19
